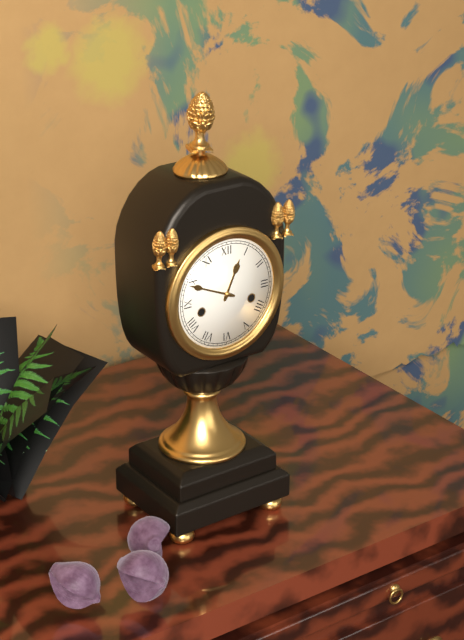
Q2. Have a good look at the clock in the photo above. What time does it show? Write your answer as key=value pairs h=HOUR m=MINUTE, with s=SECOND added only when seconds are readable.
h=12 m=49
